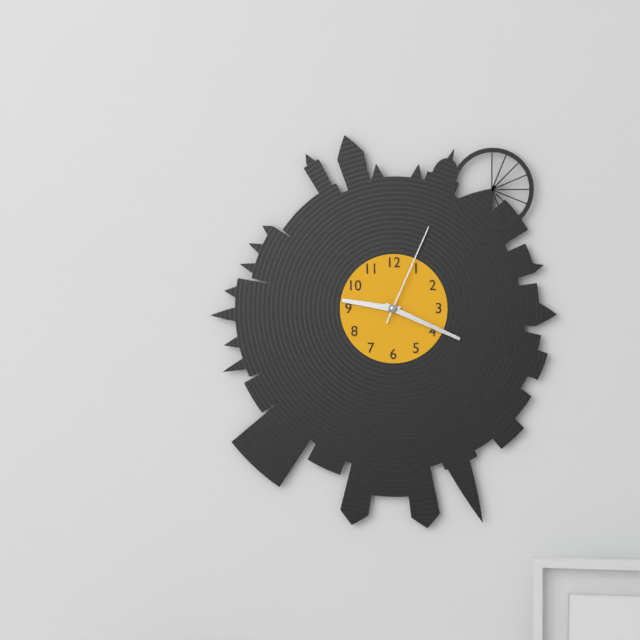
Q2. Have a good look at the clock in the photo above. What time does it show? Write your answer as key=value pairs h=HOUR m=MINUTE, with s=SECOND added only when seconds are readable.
h=9 m=19 s=4
